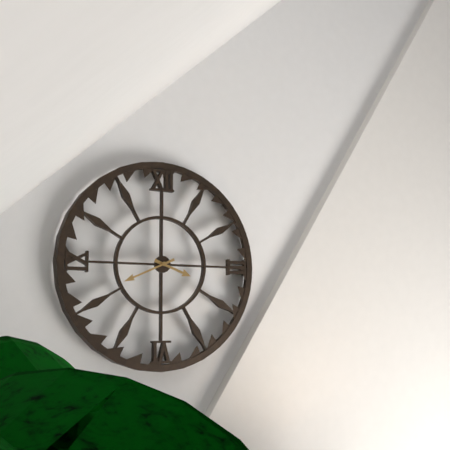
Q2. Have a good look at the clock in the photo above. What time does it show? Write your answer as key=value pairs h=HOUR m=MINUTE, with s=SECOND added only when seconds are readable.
h=3 m=41
